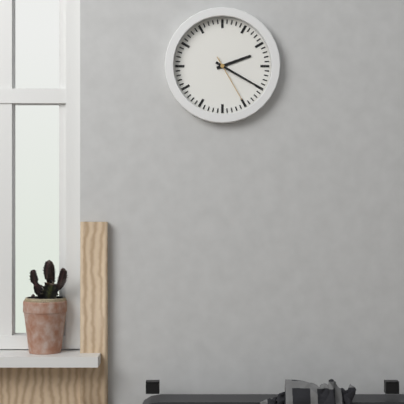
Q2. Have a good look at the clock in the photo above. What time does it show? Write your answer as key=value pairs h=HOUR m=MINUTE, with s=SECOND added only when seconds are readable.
h=2 m=20
